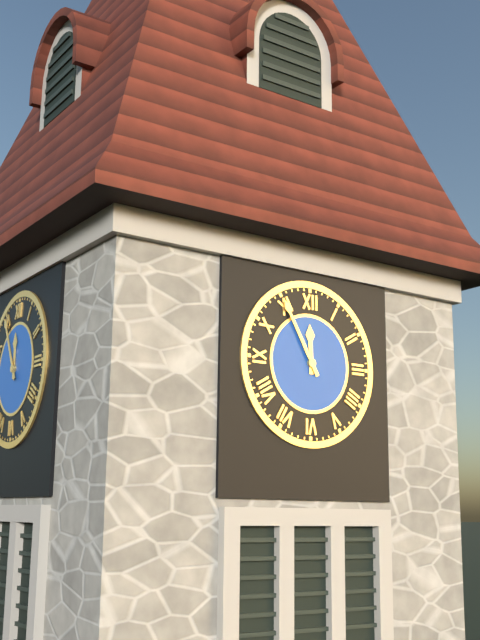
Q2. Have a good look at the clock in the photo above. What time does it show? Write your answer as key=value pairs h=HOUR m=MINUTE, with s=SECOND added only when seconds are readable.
h=11 m=55
